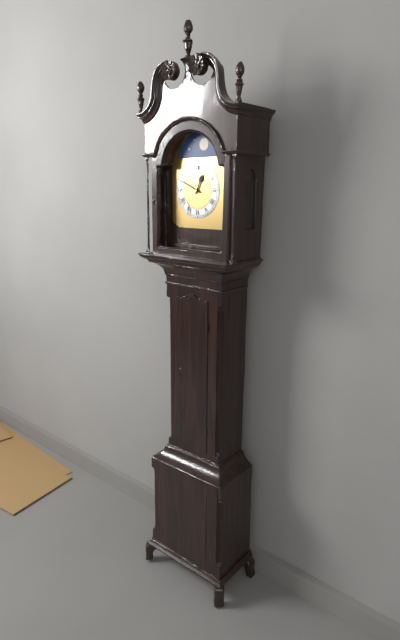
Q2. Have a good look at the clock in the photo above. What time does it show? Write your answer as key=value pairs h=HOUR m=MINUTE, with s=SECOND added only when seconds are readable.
h=12 m=49
